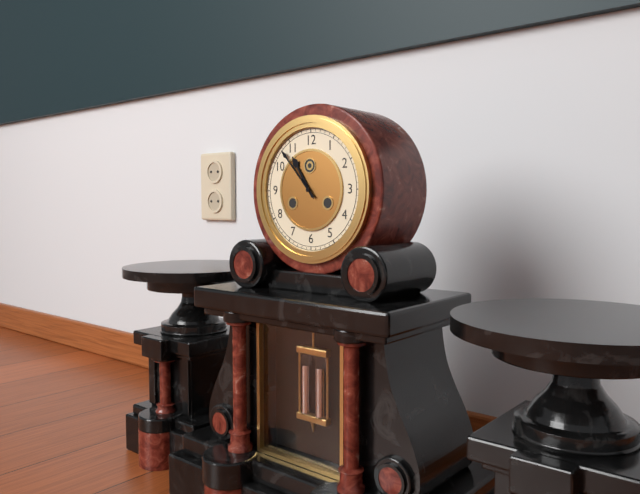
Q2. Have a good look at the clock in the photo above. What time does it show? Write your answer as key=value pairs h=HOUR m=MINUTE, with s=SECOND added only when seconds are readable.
h=10 m=53
